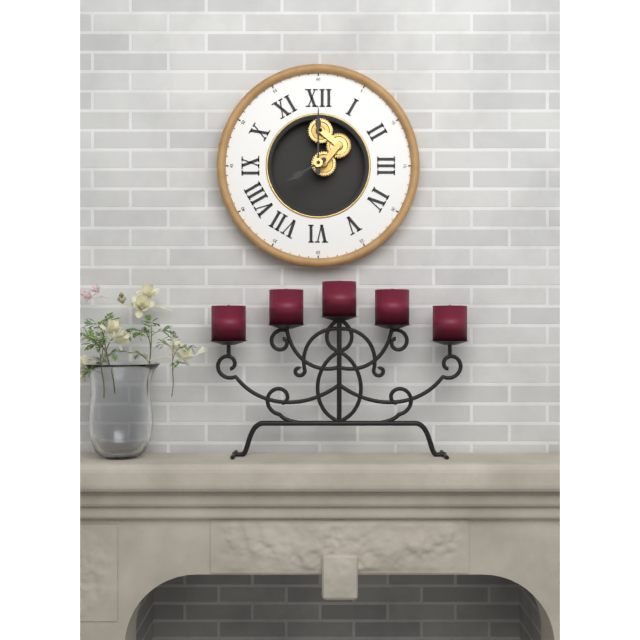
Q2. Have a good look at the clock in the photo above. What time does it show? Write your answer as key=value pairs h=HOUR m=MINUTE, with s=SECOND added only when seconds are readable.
h=8 m=0
